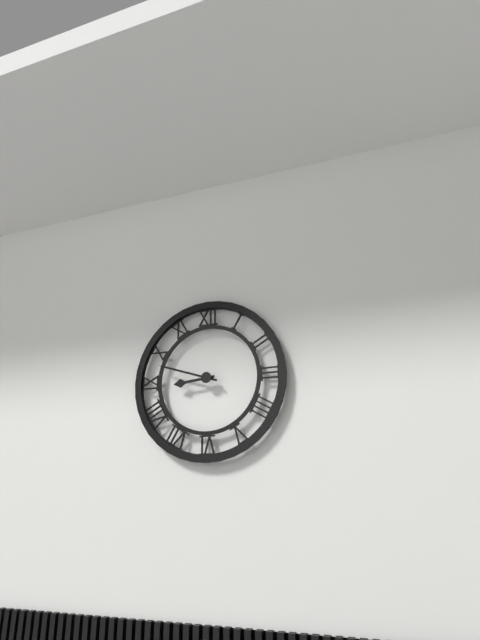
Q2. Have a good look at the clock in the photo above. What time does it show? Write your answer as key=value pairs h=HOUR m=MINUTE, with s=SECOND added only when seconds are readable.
h=8 m=48
